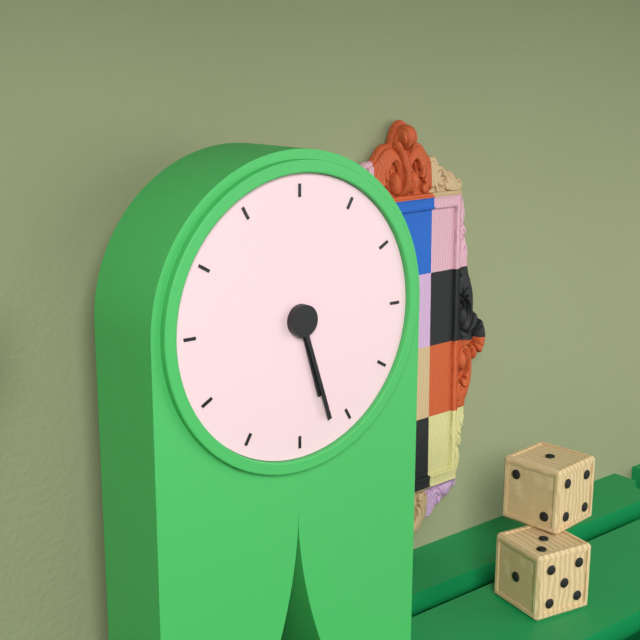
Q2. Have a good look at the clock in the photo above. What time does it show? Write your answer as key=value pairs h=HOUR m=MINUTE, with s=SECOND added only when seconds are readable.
h=5 m=27
